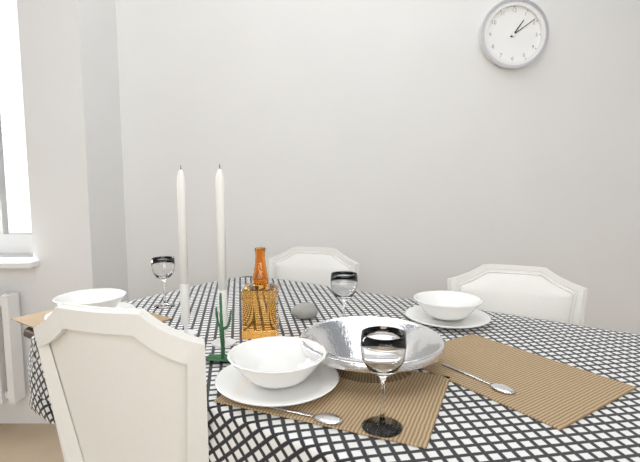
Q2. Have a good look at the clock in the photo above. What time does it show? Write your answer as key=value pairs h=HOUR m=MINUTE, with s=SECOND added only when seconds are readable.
h=1 m=9
